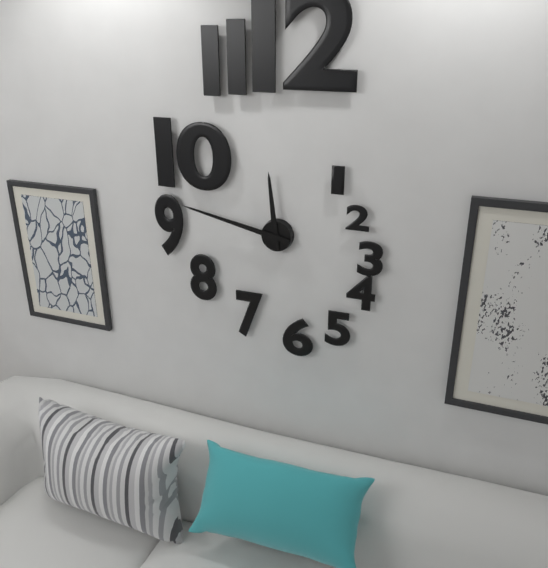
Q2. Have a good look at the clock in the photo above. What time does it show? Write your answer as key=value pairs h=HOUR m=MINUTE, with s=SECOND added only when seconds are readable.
h=11 m=47
